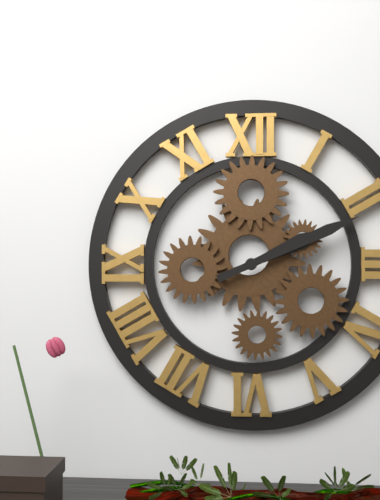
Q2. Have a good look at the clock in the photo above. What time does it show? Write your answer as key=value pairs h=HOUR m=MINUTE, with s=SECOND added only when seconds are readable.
h=2 m=11
